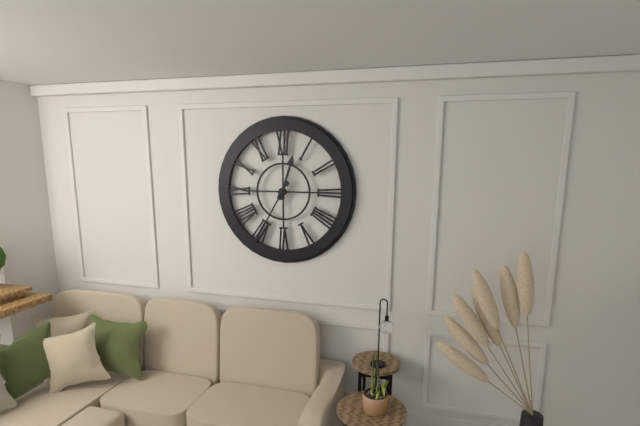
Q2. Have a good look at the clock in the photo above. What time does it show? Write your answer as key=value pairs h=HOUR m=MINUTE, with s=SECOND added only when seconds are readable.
h=12 m=35
